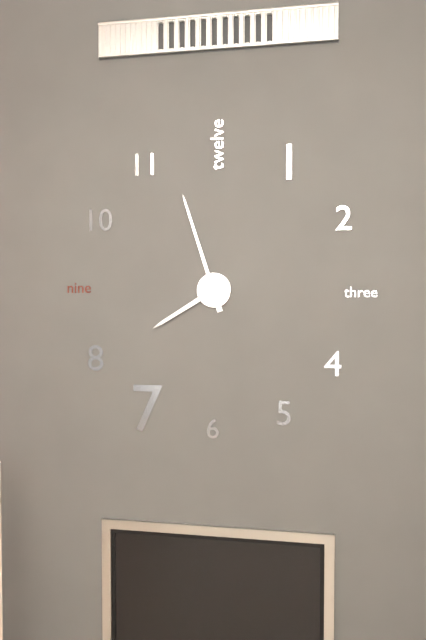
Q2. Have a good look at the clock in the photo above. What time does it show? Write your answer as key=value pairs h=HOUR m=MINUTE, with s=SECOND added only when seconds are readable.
h=7 m=57
